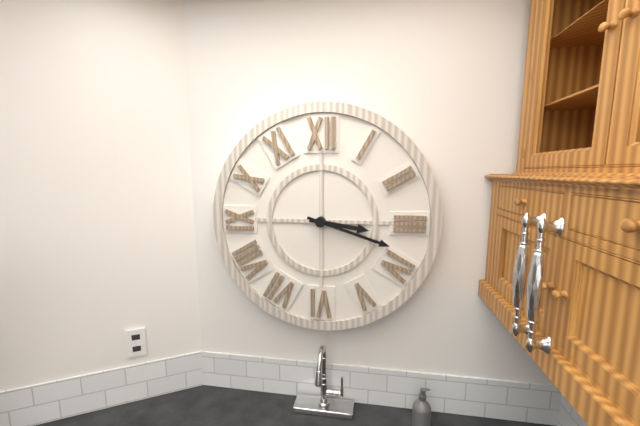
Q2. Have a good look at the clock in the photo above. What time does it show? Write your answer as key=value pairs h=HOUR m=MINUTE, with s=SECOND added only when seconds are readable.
h=3 m=18
